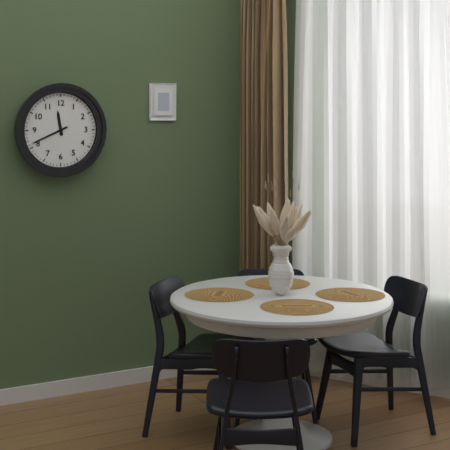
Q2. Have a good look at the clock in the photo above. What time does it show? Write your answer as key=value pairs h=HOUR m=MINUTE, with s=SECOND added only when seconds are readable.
h=11 m=41
